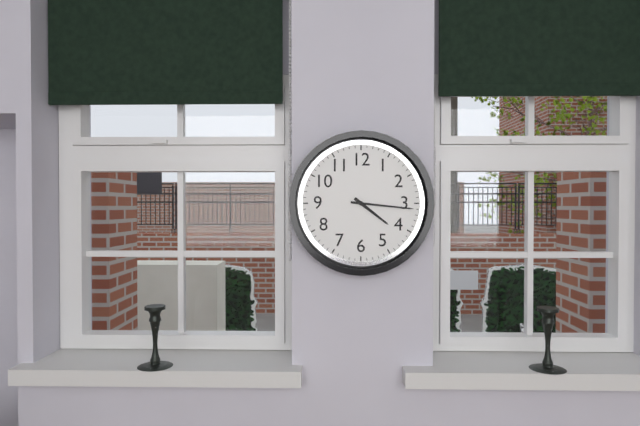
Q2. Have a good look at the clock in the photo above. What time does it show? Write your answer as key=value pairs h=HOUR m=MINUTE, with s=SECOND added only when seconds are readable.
h=4 m=16
